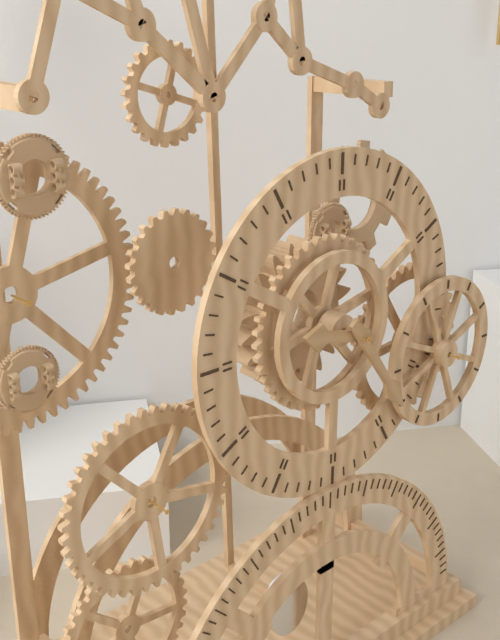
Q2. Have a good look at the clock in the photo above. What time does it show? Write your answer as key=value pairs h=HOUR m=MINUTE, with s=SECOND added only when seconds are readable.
h=9 m=24
